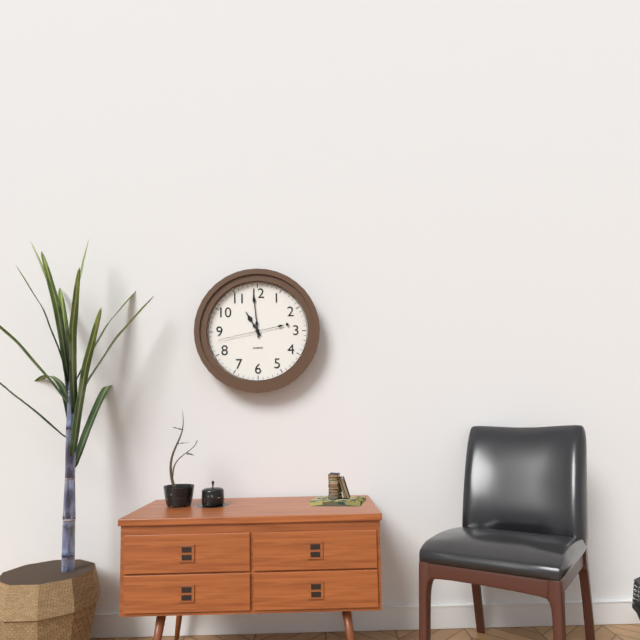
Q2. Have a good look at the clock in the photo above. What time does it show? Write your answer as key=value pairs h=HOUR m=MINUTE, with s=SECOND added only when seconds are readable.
h=10 m=59 s=43
